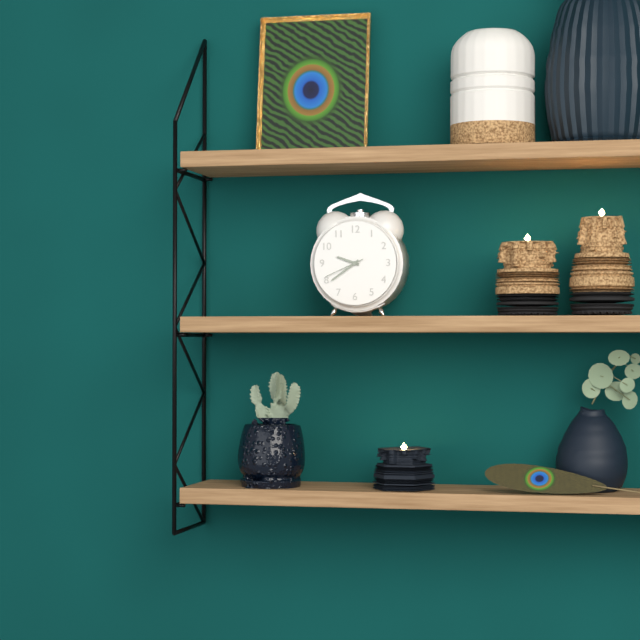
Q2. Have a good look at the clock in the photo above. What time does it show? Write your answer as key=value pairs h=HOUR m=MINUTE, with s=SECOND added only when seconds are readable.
h=9 m=39
